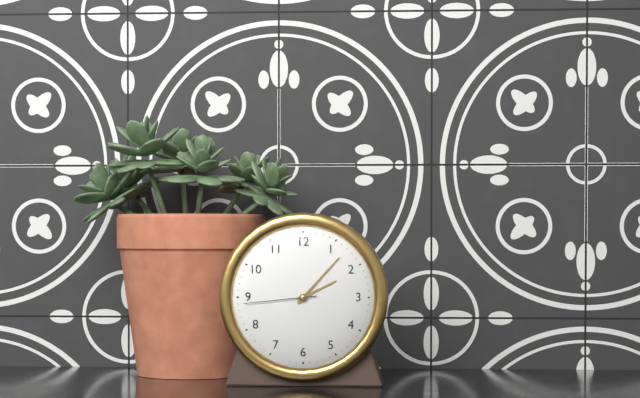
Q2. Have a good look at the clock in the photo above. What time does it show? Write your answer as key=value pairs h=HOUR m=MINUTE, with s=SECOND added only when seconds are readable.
h=2 m=7 s=44
